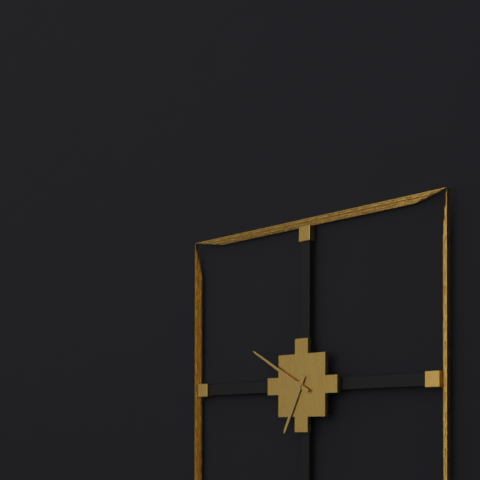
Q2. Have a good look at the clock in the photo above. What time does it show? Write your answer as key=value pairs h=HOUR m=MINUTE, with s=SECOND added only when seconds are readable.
h=6 m=50
